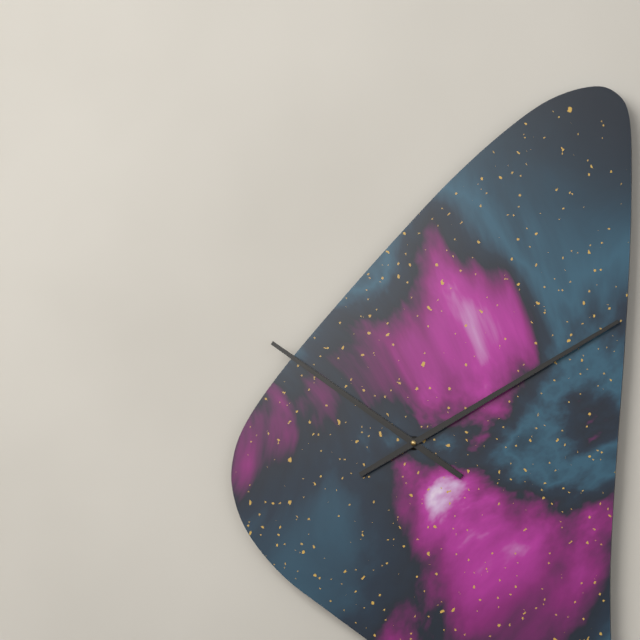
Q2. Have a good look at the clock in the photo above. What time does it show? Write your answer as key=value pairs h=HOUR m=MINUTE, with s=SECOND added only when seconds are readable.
h=10 m=10
